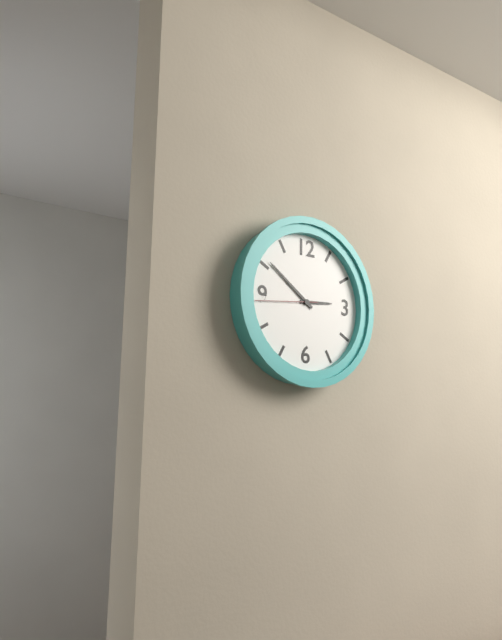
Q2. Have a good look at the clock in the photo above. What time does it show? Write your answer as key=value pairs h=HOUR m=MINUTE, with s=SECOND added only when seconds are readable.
h=2 m=51 s=44
